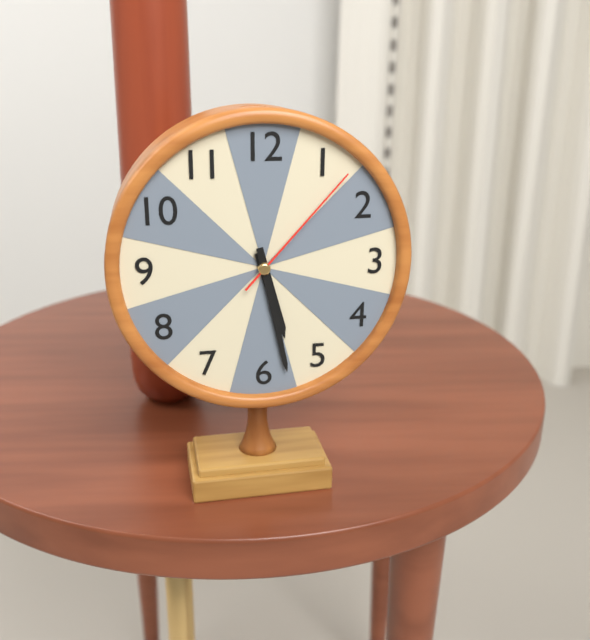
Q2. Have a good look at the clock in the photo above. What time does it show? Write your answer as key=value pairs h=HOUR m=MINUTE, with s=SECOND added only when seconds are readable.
h=5 m=28 s=7
